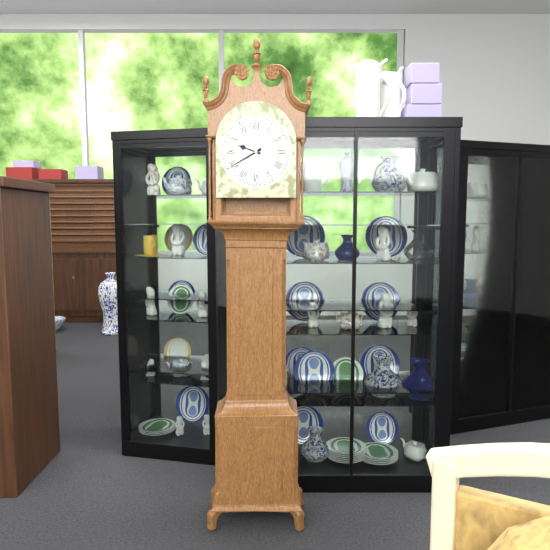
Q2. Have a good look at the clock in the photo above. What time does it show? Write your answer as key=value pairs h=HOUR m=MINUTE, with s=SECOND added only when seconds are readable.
h=9 m=40
